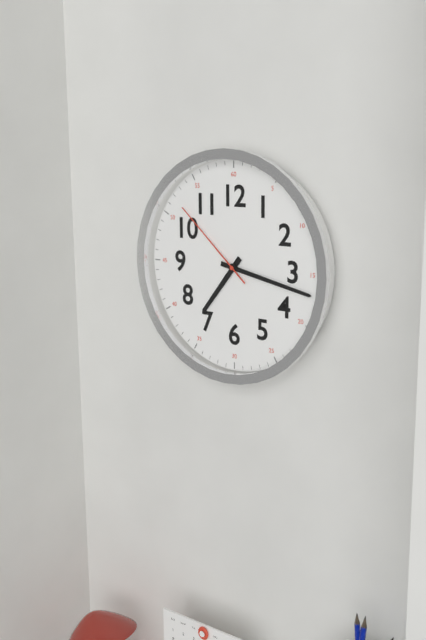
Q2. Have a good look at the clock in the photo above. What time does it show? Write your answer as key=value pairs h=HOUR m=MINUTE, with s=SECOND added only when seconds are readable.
h=7 m=17 s=52
